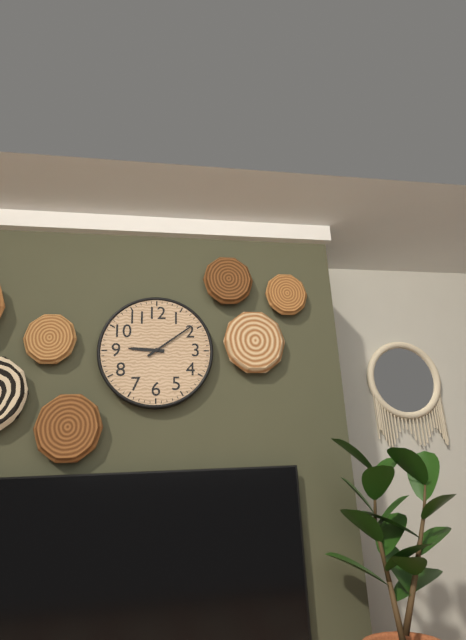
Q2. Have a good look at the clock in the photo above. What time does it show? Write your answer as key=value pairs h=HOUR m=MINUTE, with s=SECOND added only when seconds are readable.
h=9 m=9
